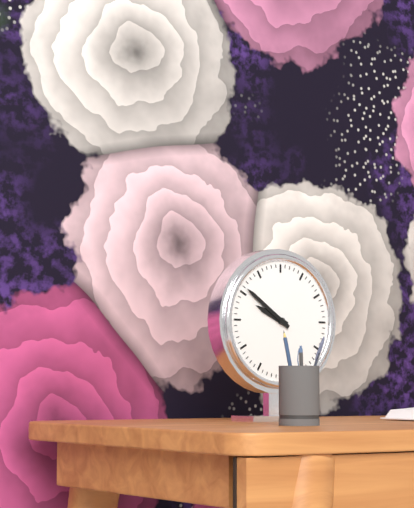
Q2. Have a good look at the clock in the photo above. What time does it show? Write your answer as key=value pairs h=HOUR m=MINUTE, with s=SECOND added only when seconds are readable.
h=9 m=51
